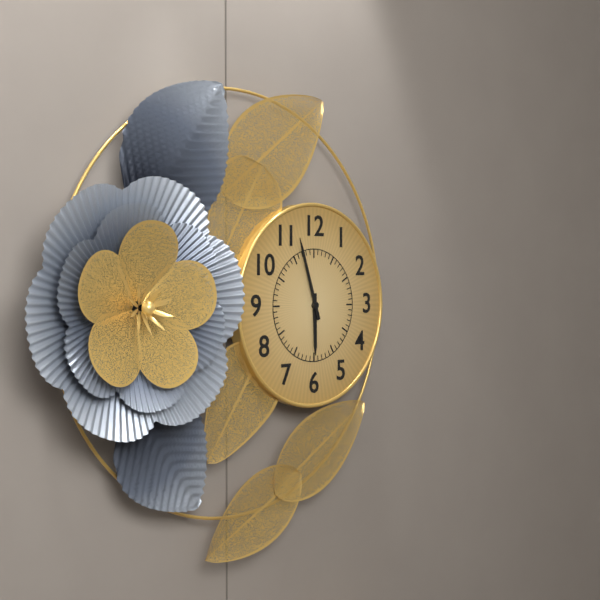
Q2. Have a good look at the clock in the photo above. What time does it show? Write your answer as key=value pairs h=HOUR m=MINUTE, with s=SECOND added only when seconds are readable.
h=5 m=57
